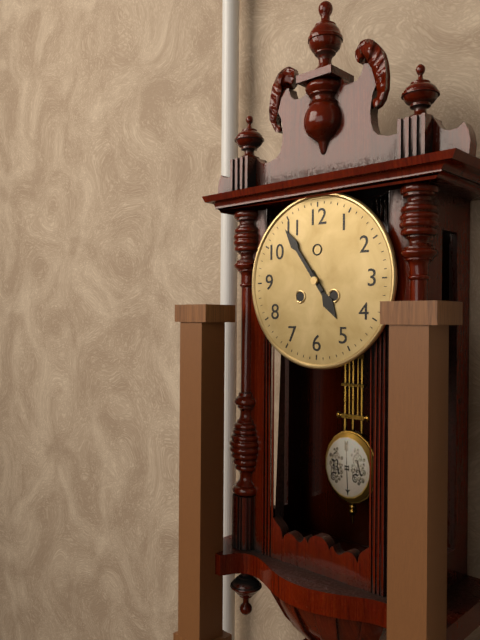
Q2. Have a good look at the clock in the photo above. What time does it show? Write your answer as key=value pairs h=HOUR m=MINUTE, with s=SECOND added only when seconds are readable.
h=4 m=54
